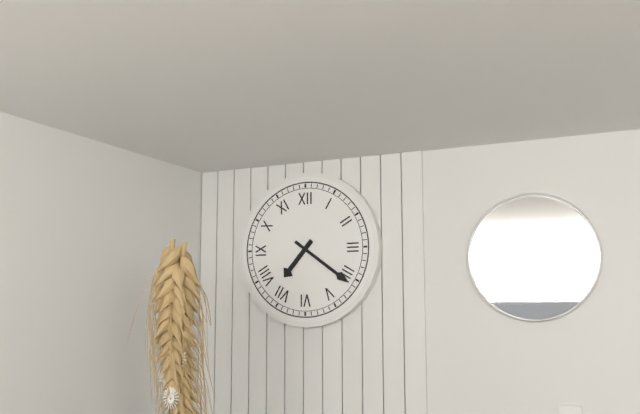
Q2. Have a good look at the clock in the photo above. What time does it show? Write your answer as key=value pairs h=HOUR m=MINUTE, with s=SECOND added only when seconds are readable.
h=7 m=21
